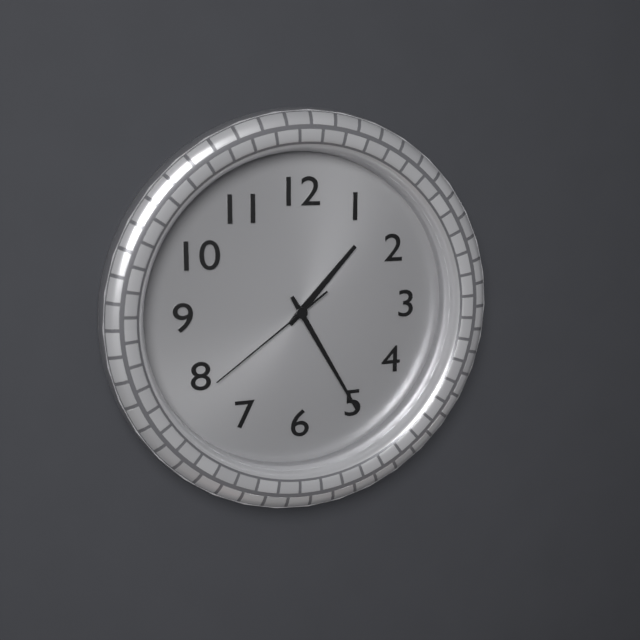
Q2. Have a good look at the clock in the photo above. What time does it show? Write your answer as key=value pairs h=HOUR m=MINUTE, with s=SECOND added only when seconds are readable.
h=1 m=25 s=39
